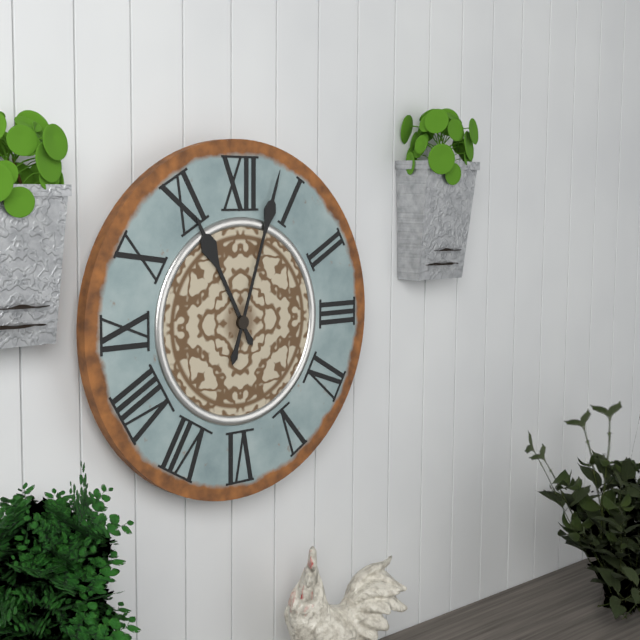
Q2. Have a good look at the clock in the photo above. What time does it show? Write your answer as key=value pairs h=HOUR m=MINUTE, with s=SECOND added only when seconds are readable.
h=11 m=3
